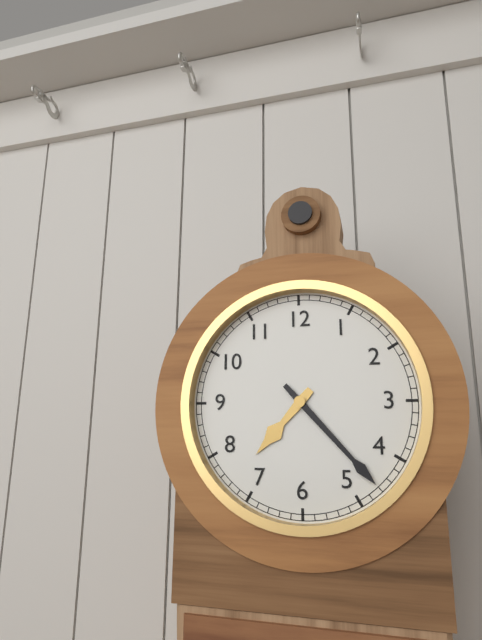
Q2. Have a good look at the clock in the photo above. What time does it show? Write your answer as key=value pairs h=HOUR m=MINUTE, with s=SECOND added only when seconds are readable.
h=7 m=23
